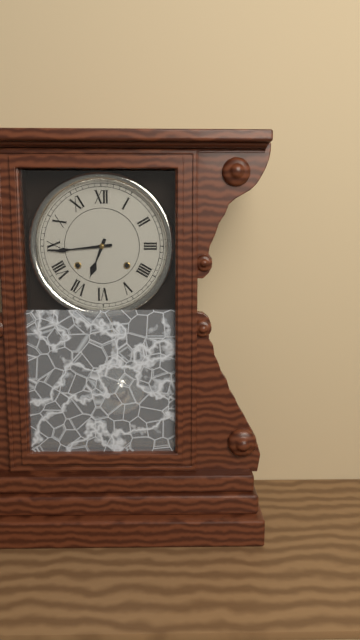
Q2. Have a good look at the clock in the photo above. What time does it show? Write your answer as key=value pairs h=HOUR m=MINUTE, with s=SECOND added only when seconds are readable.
h=6 m=44
